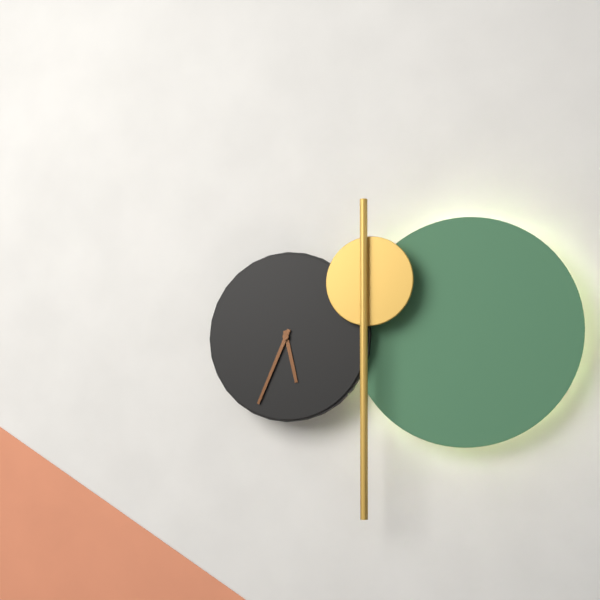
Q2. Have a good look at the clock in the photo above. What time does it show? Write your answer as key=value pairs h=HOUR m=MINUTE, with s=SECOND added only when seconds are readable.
h=5 m=34
